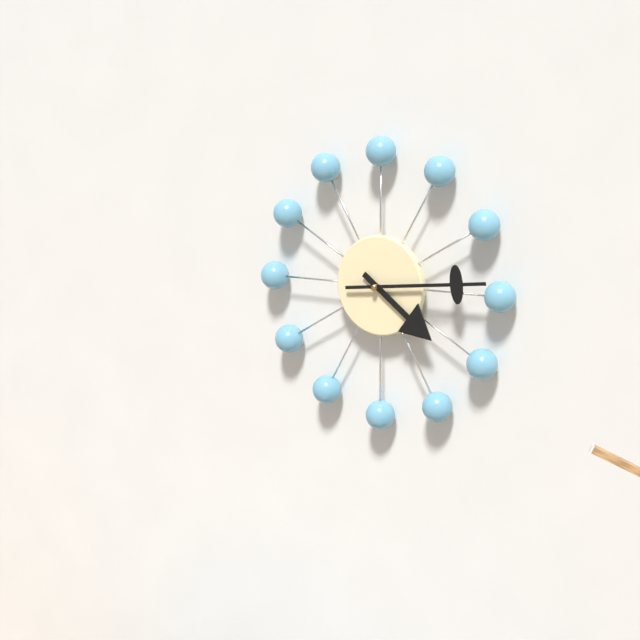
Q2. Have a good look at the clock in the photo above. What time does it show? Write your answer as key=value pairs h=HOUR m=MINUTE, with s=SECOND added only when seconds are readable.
h=4 m=14
